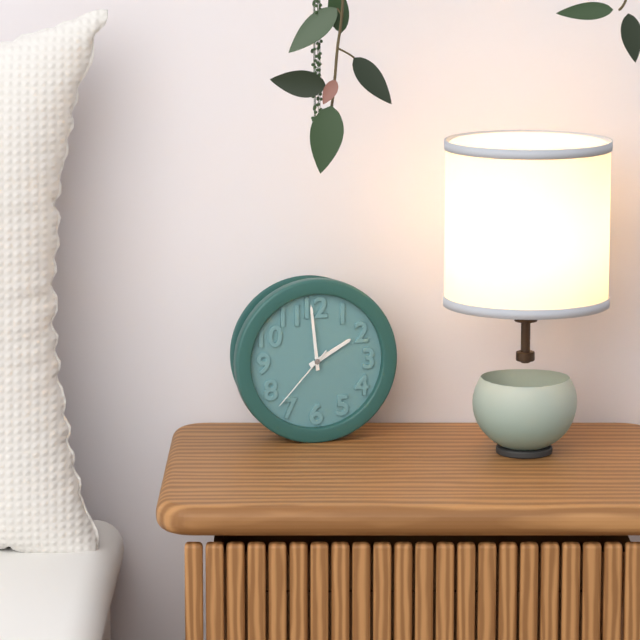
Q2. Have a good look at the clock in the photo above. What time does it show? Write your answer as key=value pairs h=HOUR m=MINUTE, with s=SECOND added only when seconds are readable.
h=1 m=59 s=37
